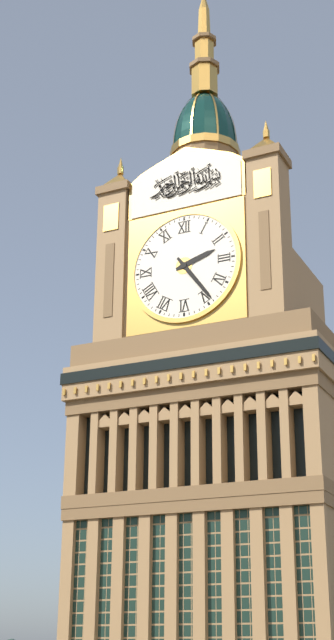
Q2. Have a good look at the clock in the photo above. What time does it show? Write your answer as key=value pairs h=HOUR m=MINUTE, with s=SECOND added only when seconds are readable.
h=2 m=24
